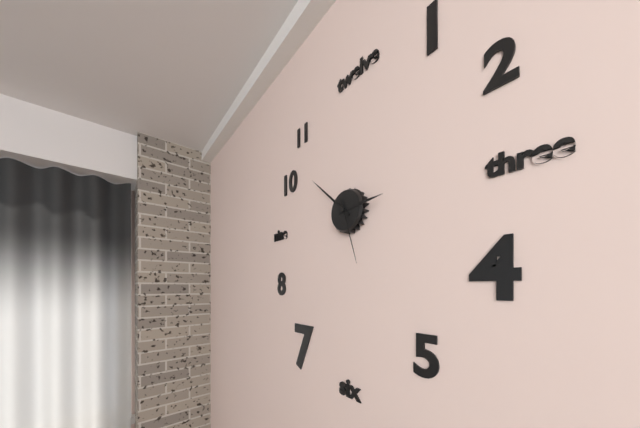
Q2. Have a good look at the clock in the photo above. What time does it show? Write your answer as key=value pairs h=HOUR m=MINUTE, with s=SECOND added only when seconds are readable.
h=2 m=52 s=27
